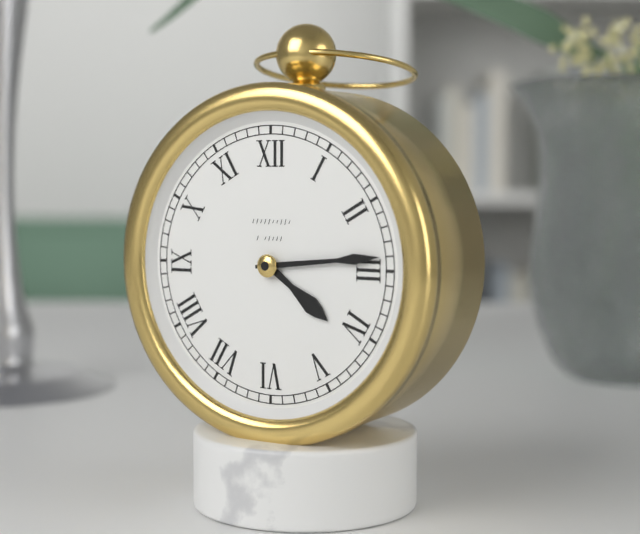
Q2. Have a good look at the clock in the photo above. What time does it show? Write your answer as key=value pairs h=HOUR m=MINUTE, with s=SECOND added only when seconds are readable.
h=4 m=14
